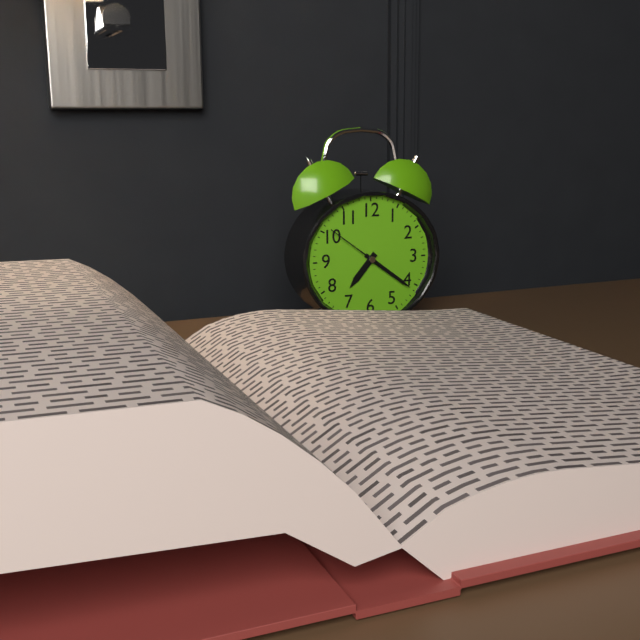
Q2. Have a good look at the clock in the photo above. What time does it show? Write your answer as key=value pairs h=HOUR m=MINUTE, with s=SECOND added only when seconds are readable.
h=7 m=21 s=51
